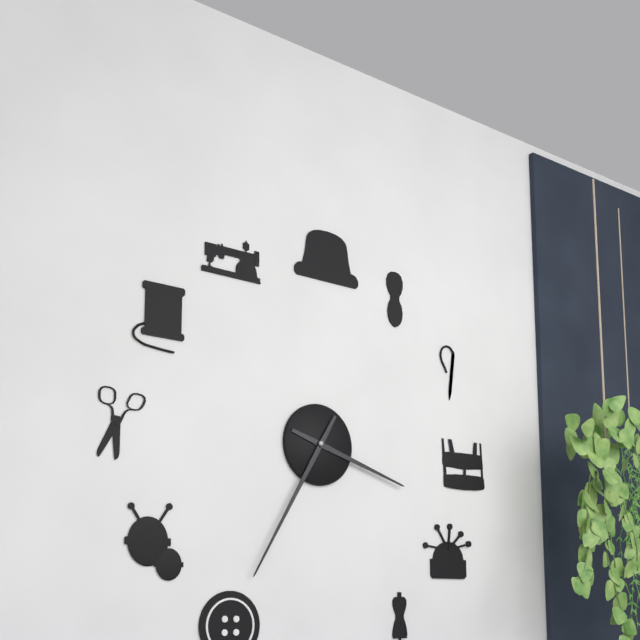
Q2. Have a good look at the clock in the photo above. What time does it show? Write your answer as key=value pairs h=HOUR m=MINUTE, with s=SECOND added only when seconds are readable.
h=3 m=35
